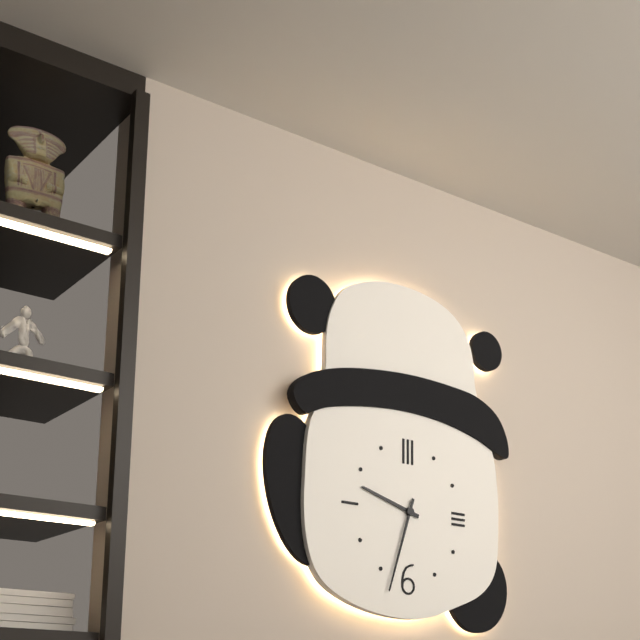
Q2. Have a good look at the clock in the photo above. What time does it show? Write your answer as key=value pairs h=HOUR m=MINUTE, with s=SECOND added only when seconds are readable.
h=9 m=33
